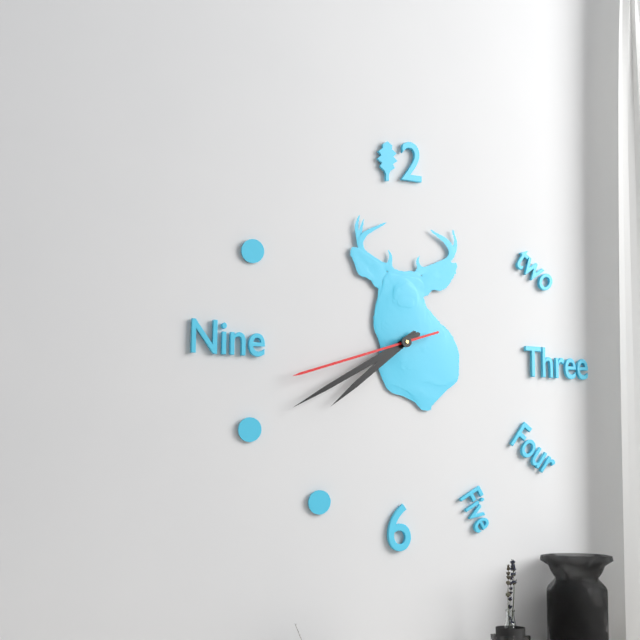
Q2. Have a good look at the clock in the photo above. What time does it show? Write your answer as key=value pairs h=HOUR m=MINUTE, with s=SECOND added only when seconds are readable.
h=7 m=40 s=42
